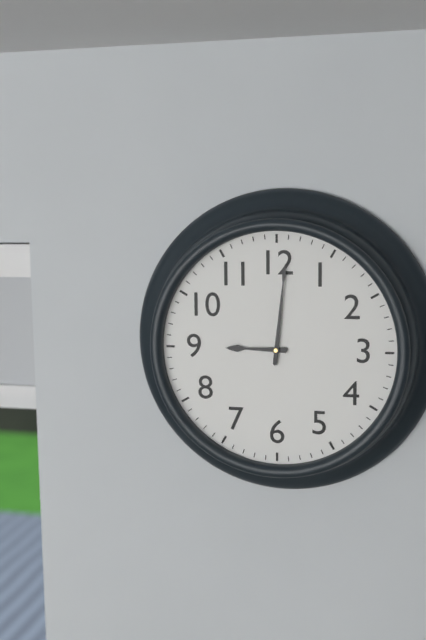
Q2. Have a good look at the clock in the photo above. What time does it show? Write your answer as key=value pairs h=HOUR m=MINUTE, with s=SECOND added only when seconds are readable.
h=9 m=1
